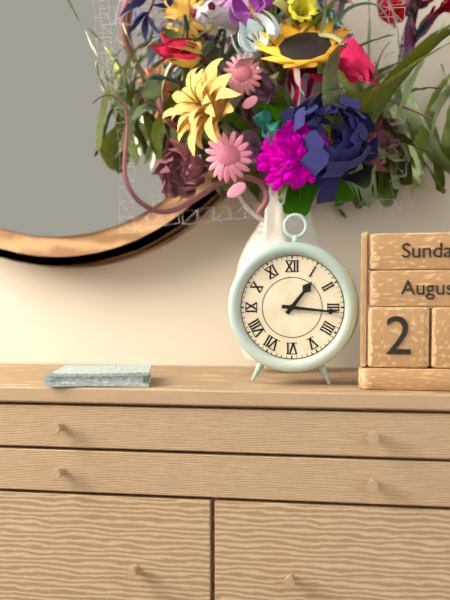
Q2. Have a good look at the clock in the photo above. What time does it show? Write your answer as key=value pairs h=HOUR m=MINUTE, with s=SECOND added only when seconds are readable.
h=1 m=16
